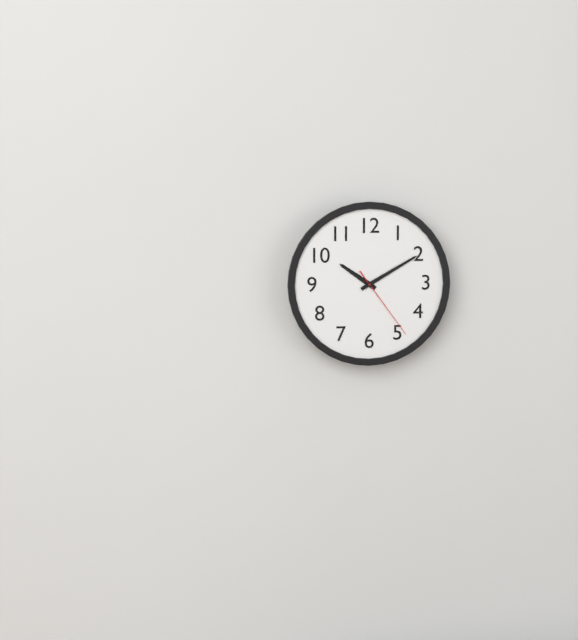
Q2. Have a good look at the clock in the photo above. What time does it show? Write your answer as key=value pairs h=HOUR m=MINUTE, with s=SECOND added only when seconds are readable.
h=10 m=10 s=24
